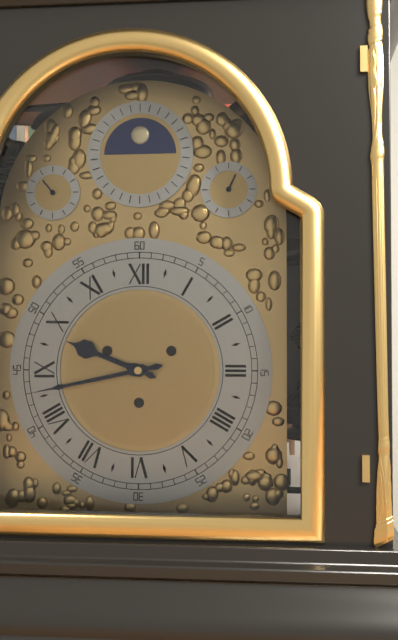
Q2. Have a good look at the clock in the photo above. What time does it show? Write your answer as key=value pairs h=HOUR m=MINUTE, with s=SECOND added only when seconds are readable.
h=9 m=43
